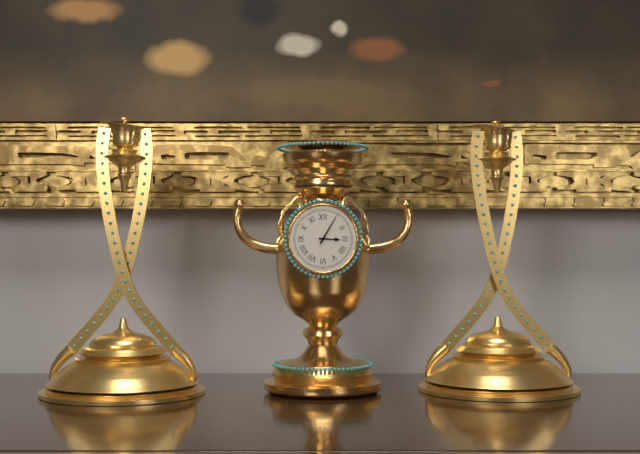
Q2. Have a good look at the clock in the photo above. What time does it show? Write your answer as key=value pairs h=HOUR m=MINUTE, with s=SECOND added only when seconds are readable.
h=3 m=5
